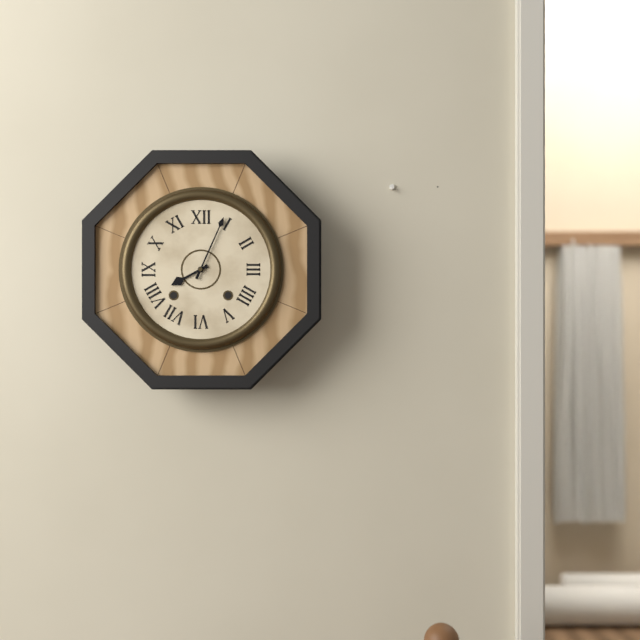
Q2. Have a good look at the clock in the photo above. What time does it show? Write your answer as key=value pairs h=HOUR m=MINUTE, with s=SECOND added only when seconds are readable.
h=8 m=4
